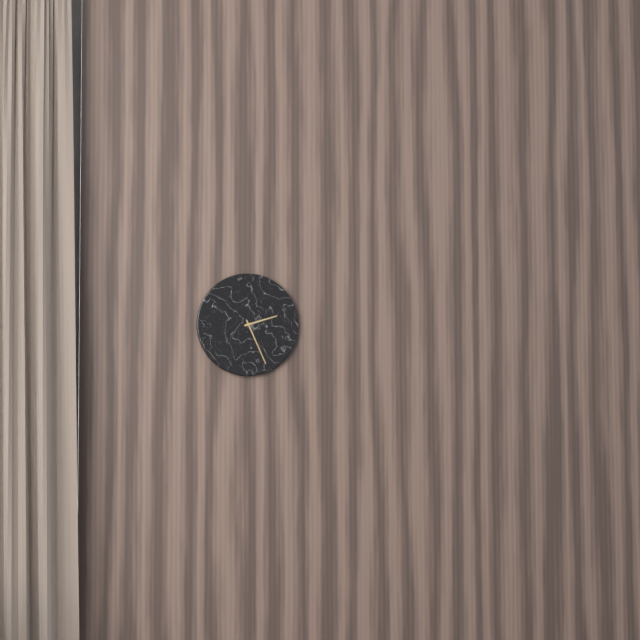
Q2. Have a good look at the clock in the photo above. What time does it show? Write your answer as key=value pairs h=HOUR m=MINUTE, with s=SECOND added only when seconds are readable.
h=2 m=26
